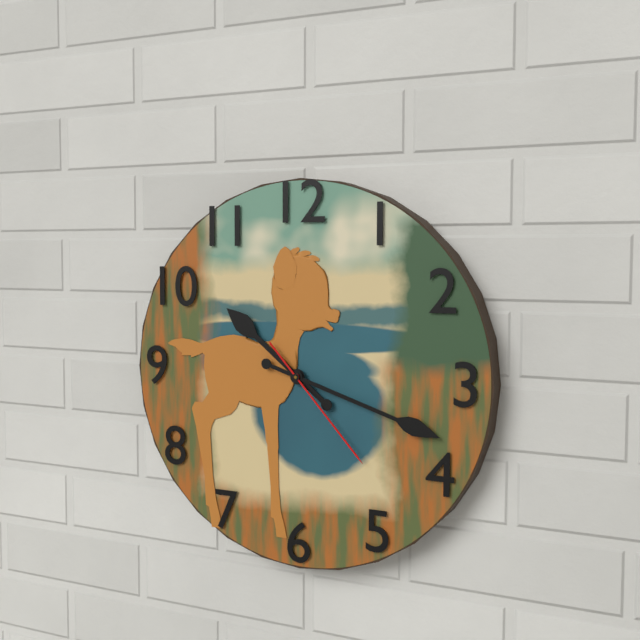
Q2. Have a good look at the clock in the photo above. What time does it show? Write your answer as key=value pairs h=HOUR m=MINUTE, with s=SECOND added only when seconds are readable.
h=10 m=18 s=23
